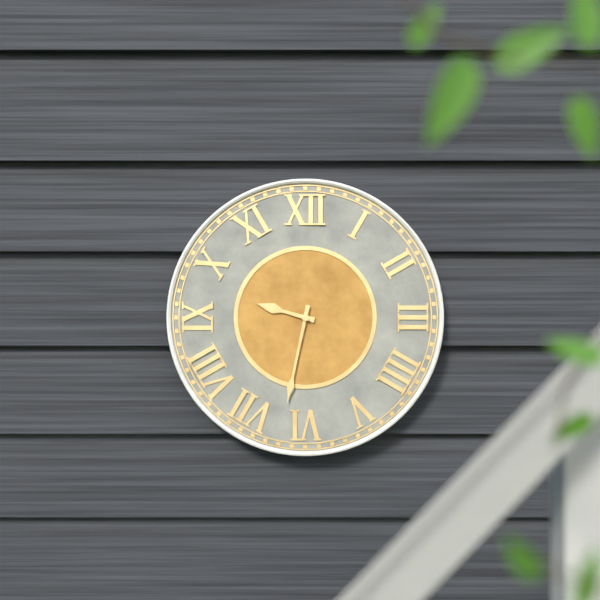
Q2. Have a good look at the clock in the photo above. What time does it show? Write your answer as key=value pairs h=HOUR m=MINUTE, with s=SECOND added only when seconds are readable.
h=9 m=32
